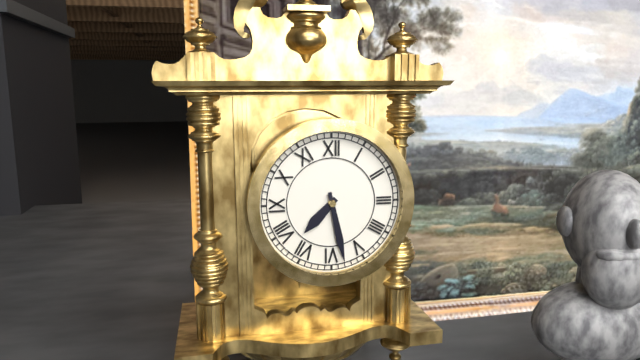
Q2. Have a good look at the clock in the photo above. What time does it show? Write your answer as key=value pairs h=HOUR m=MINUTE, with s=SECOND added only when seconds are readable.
h=7 m=28
